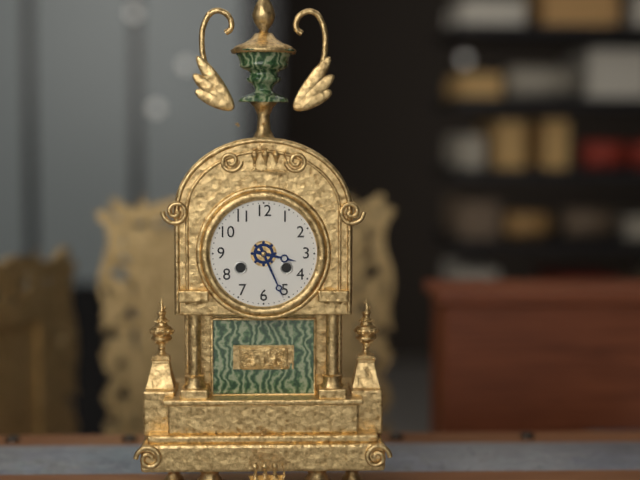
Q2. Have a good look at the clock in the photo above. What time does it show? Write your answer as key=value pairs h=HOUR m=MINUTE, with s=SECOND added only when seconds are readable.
h=3 m=26
